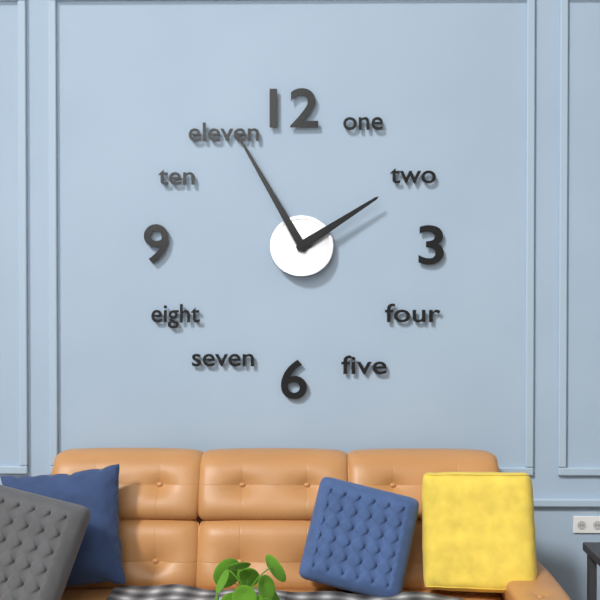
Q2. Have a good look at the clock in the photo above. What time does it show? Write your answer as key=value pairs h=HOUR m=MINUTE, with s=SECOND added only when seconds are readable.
h=1 m=55
